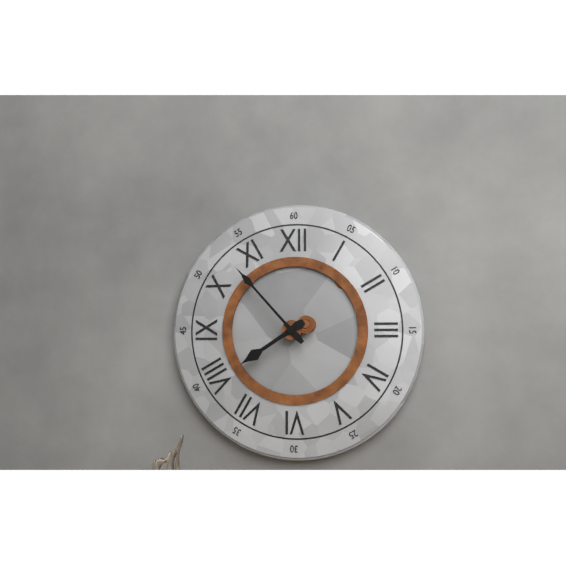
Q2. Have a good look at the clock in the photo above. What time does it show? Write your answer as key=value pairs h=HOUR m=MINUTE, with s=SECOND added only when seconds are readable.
h=7 m=53
